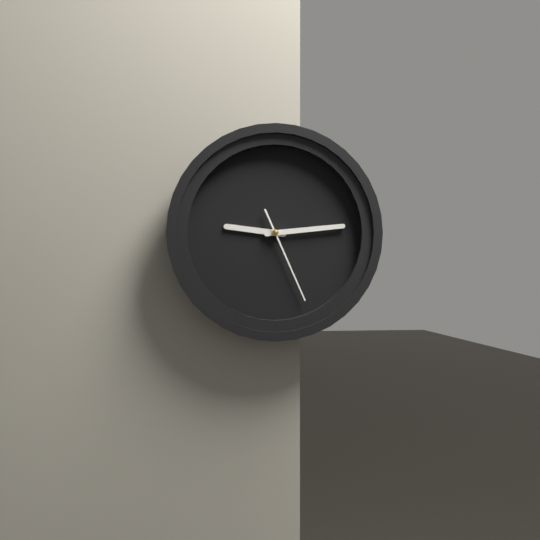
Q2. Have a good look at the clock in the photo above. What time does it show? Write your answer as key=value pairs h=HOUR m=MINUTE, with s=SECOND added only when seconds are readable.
h=9 m=14 s=26
